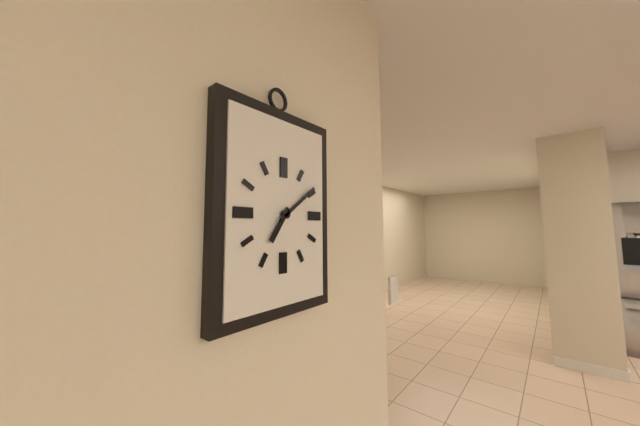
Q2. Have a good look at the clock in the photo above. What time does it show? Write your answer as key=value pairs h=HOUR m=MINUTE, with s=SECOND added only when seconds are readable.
h=7 m=9
